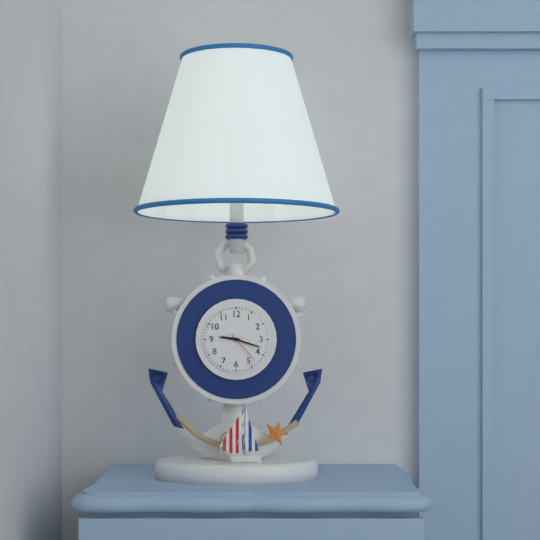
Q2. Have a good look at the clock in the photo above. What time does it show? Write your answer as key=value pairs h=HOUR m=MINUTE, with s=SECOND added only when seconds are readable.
h=9 m=18
